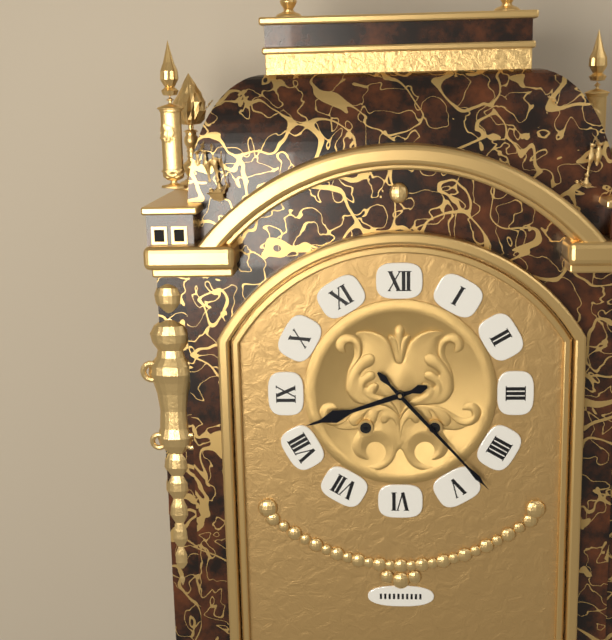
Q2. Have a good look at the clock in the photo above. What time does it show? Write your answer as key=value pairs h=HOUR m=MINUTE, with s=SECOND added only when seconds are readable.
h=8 m=23
